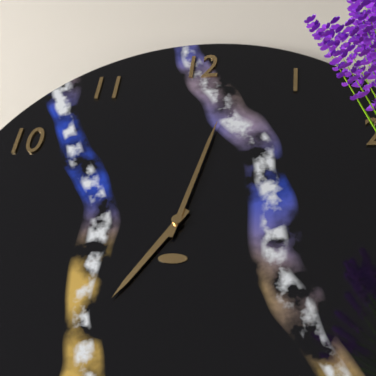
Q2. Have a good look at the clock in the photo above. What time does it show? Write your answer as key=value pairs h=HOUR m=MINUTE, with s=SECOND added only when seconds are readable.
h=7 m=2
